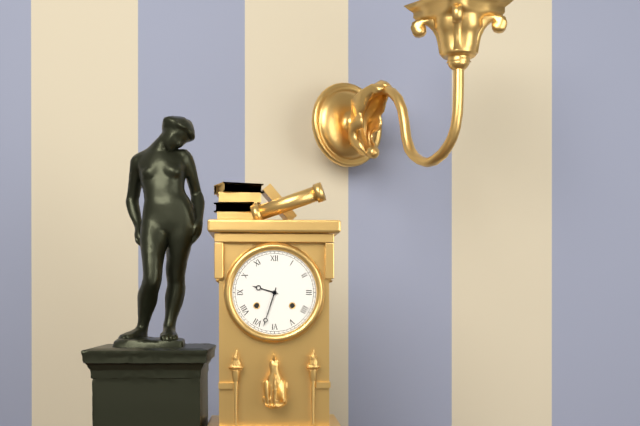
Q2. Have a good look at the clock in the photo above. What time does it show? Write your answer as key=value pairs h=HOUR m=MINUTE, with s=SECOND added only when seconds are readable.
h=9 m=33
